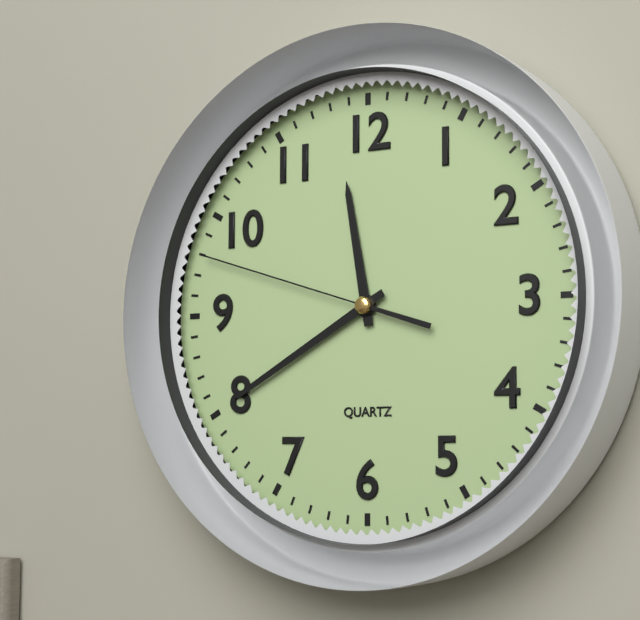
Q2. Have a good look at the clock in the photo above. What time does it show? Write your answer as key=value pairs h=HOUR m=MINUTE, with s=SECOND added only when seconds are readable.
h=11 m=40 s=48
